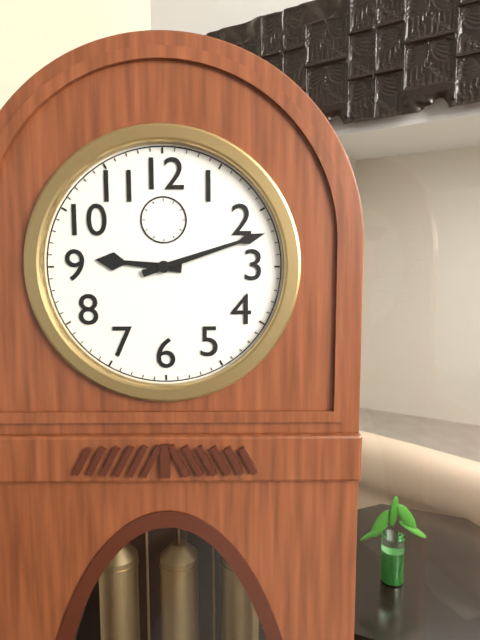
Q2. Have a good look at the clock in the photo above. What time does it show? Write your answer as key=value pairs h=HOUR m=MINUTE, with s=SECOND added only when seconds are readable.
h=9 m=12
